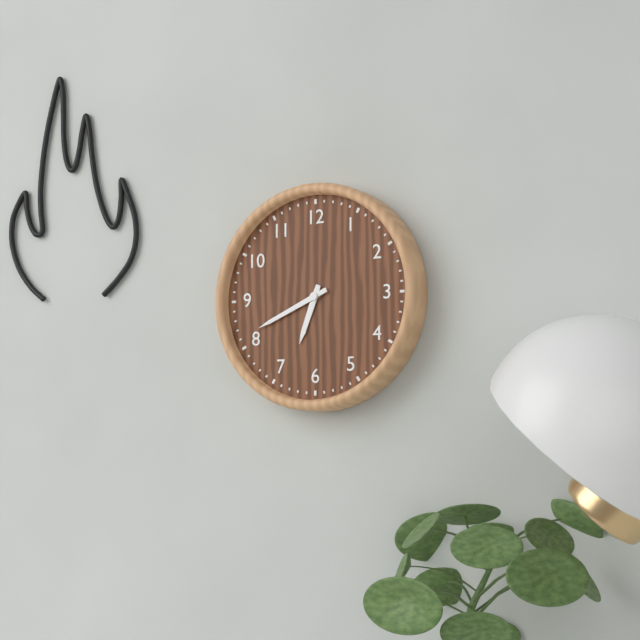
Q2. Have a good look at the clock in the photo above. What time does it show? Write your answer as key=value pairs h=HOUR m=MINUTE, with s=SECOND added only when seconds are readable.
h=6 m=41
